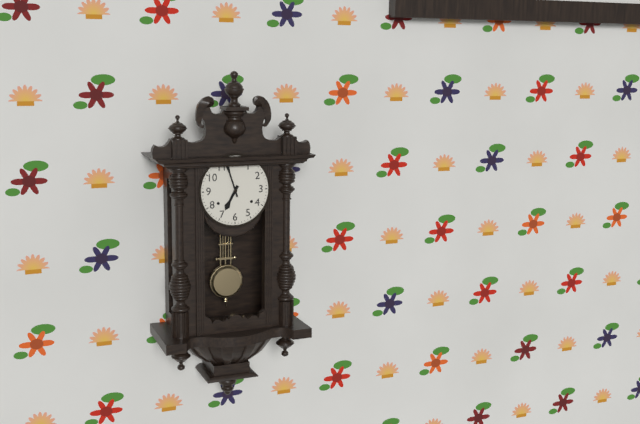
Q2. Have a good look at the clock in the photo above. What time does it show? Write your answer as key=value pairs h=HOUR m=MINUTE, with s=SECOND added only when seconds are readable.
h=6 m=57
